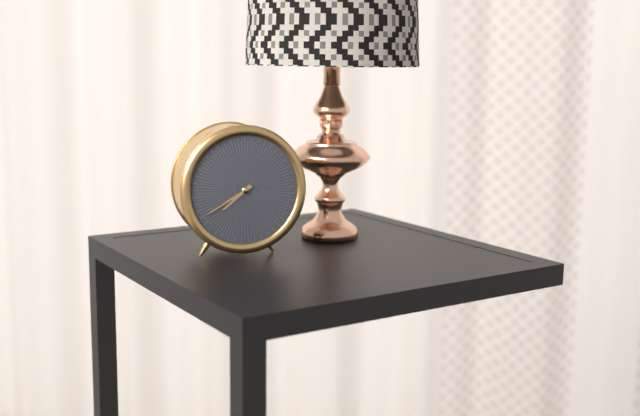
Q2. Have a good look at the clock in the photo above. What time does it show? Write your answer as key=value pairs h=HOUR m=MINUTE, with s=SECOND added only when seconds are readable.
h=7 m=40
